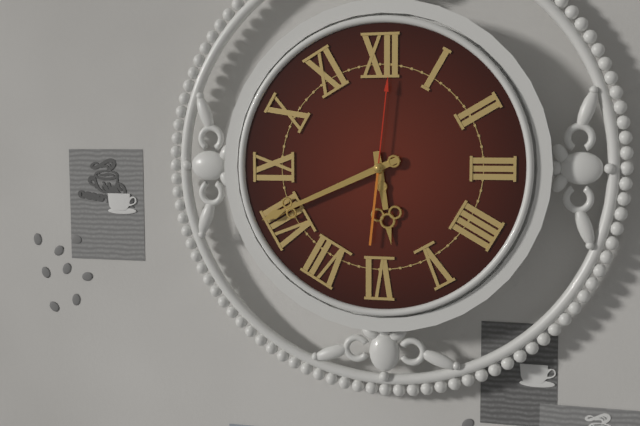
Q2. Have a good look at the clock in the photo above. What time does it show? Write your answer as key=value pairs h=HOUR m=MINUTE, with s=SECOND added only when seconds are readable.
h=5 m=41 s=1
